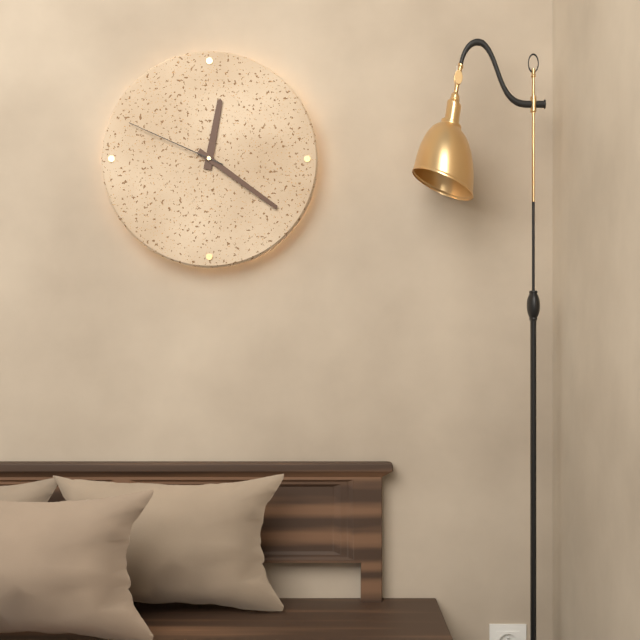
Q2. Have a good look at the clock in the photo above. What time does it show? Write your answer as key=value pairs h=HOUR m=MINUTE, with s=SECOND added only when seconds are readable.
h=12 m=21 s=49
